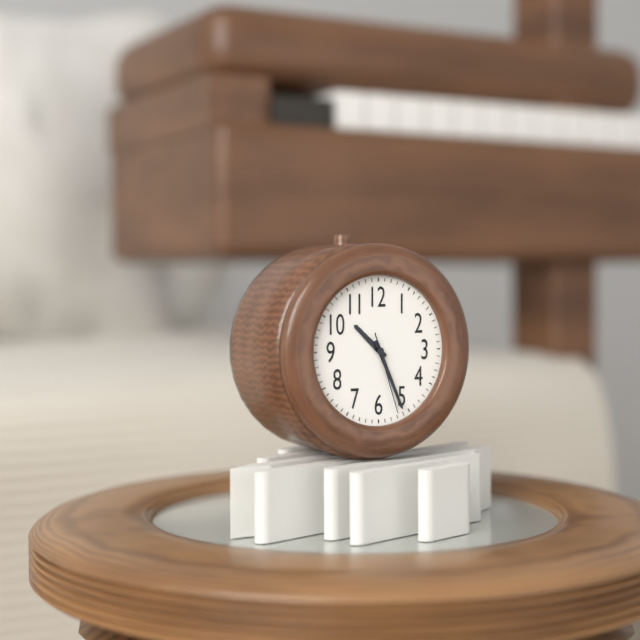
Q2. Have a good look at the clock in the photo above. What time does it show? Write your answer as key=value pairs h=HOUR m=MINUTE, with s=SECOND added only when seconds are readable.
h=10 m=26 s=27
